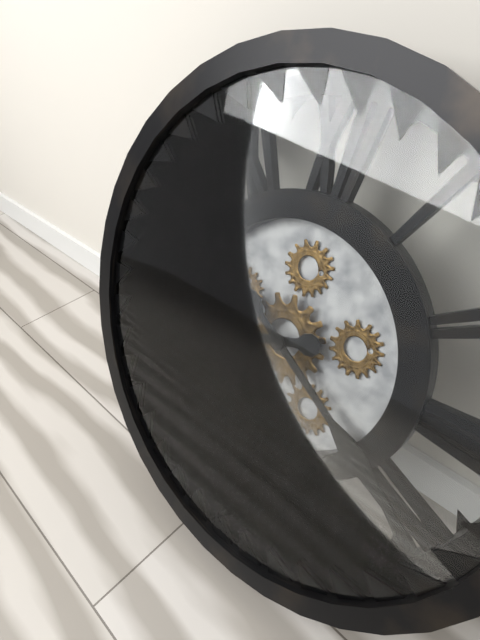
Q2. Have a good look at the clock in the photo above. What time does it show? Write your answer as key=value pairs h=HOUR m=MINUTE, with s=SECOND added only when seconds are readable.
h=8 m=20
